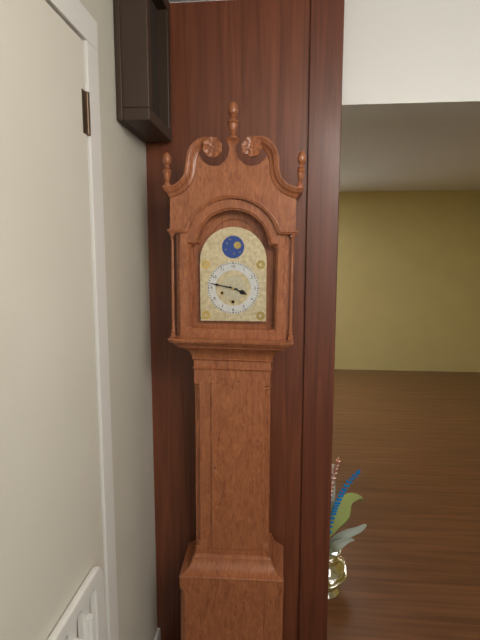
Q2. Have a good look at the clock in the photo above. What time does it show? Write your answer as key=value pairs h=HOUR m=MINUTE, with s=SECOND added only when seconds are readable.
h=3 m=47
